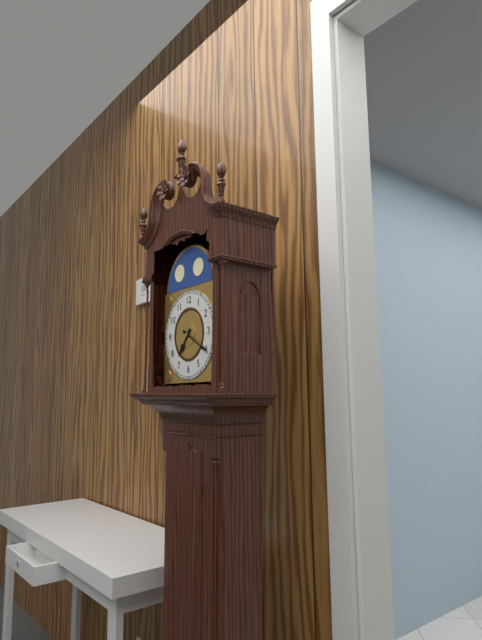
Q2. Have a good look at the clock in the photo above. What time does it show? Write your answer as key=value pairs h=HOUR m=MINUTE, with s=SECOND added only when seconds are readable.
h=7 m=20
